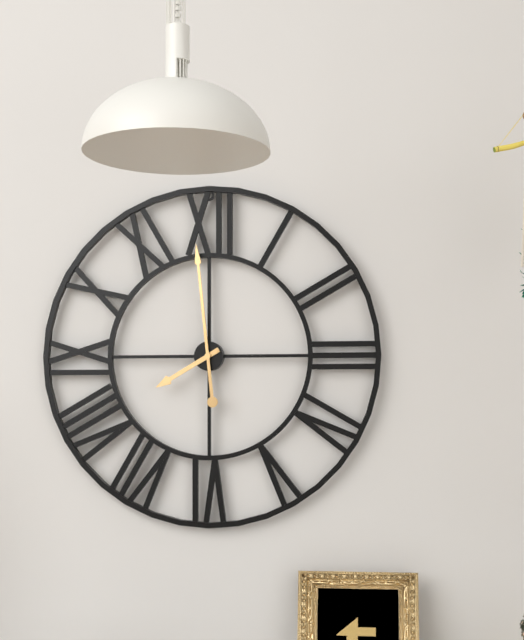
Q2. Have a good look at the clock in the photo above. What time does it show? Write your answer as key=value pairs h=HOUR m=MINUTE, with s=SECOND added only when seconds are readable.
h=7 m=59
